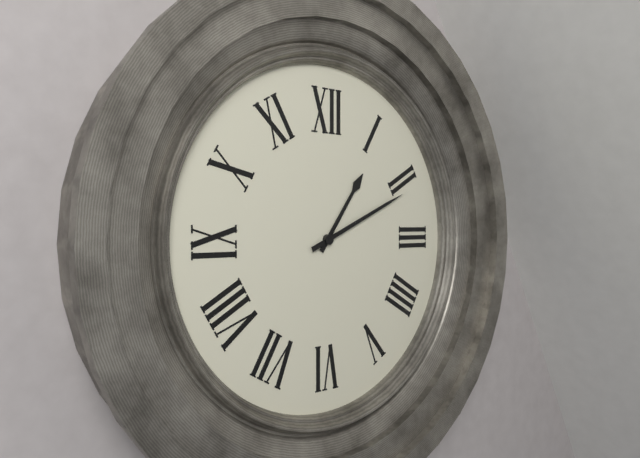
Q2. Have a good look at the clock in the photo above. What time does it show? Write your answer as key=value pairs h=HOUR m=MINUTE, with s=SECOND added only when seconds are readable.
h=1 m=11
